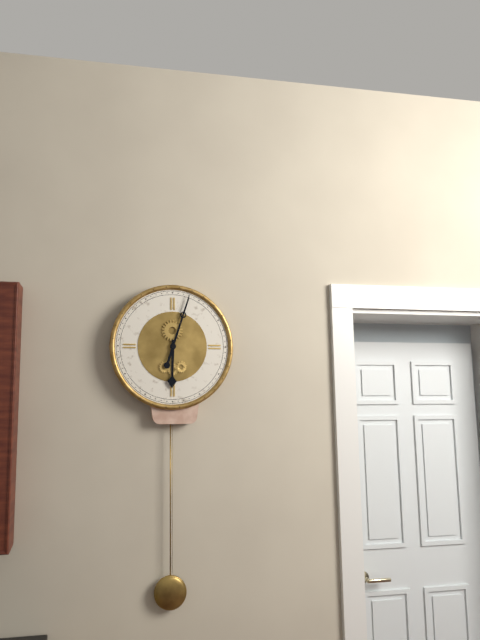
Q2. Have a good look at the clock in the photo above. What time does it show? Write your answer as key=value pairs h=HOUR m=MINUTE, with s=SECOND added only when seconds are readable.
h=6 m=3
